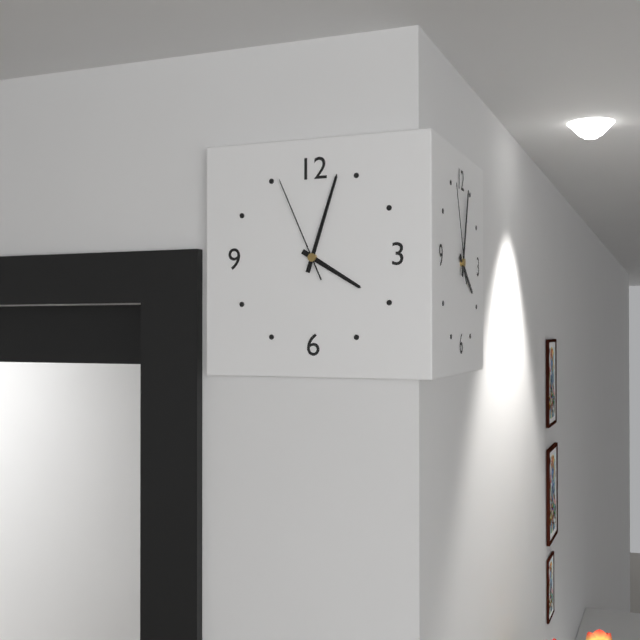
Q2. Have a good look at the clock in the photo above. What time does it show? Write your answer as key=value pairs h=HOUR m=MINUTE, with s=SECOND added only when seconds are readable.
h=4 m=3 s=56
